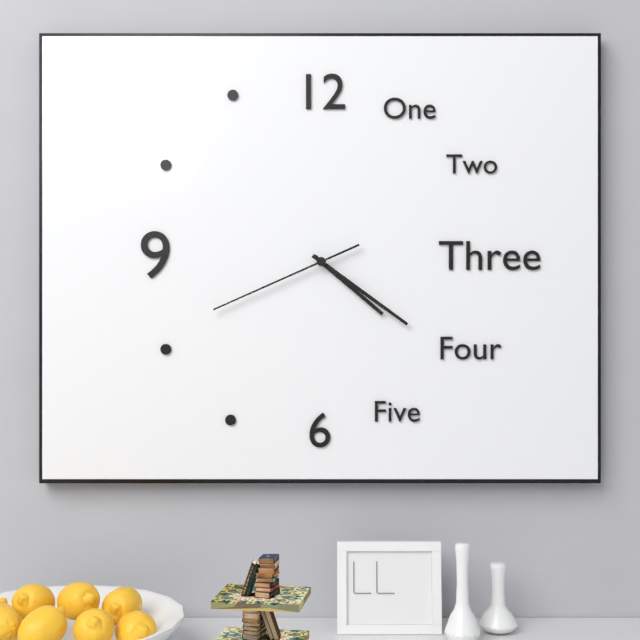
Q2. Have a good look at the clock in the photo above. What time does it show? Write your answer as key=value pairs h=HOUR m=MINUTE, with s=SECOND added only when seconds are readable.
h=4 m=21 s=41
